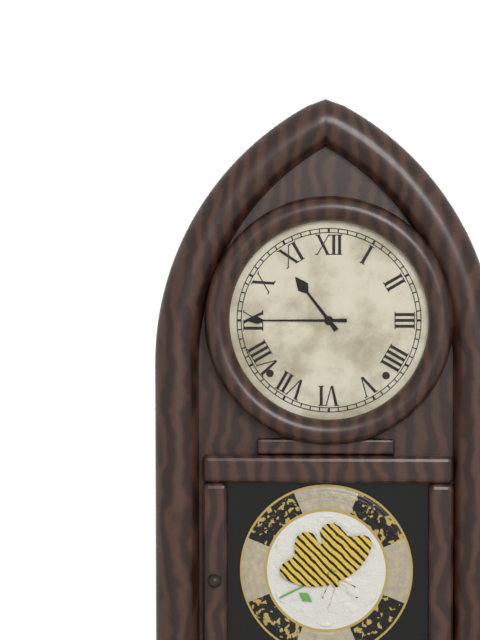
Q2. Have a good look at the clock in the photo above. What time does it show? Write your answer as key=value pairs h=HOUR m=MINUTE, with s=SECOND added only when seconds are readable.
h=10 m=45
